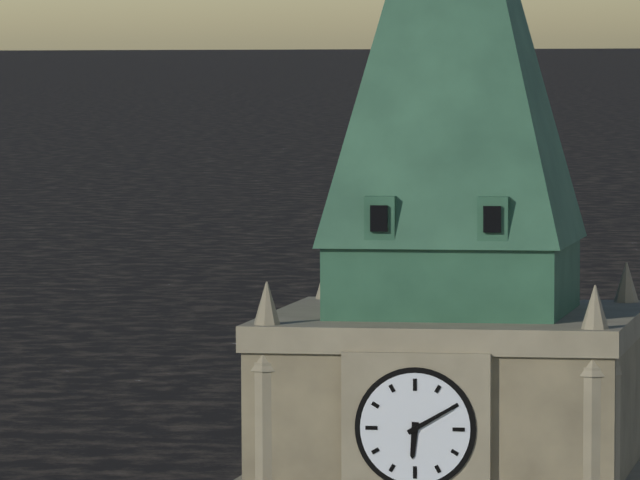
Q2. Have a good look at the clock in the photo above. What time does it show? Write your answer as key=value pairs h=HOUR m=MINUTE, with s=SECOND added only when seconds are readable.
h=6 m=10
